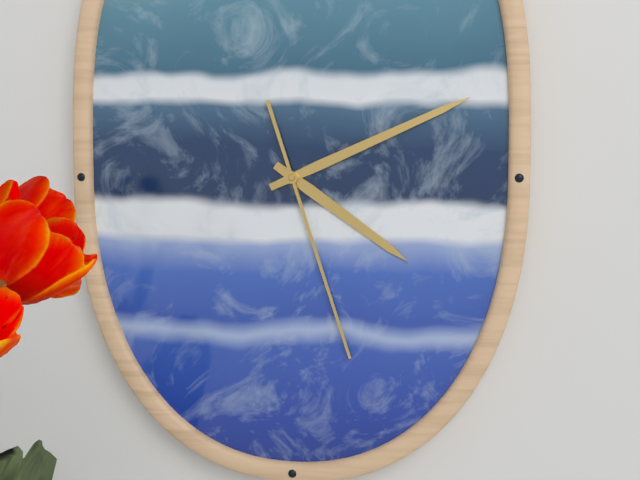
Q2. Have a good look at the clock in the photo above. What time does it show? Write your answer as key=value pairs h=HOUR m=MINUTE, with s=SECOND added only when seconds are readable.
h=4 m=11 s=27
